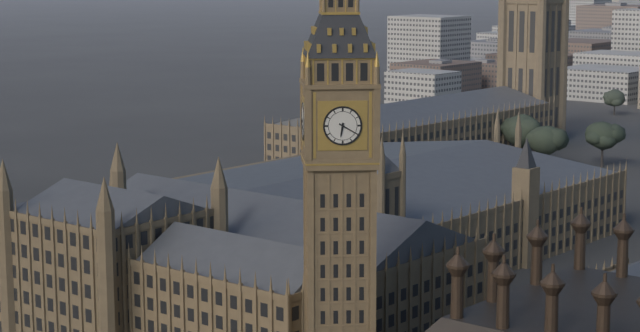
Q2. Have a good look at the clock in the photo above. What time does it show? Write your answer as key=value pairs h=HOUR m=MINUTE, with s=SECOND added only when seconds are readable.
h=6 m=20
